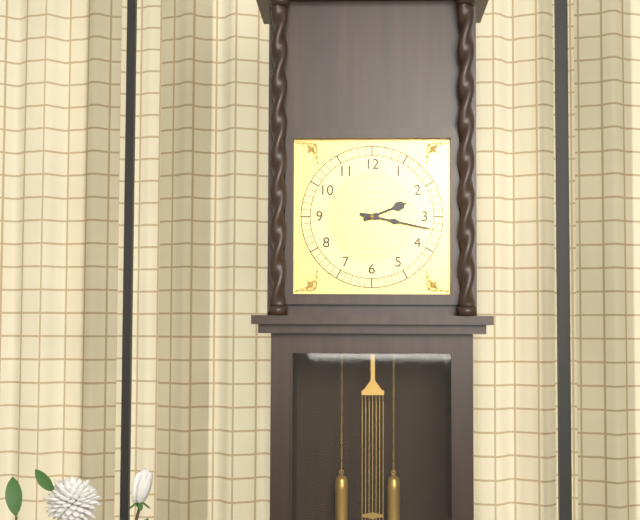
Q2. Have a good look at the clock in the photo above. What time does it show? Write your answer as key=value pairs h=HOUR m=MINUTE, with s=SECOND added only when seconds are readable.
h=2 m=17
